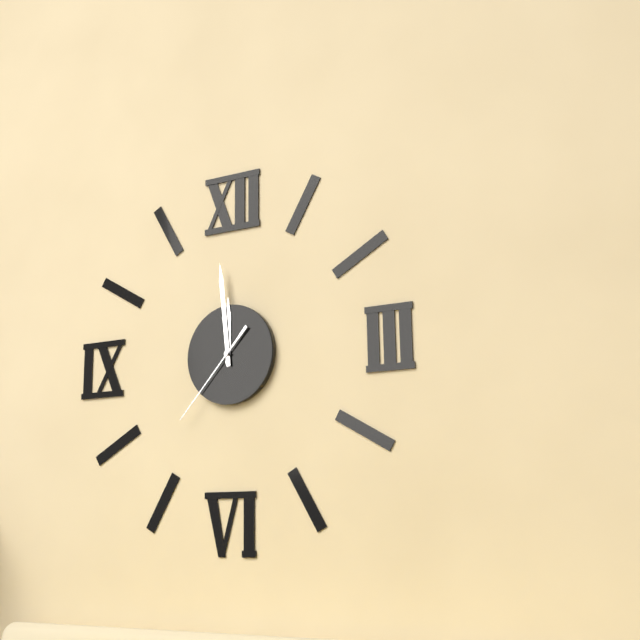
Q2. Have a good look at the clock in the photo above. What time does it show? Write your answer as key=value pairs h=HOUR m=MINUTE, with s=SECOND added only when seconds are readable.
h=11 m=59 s=37
